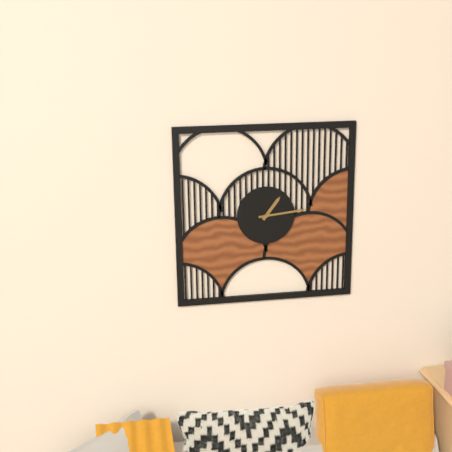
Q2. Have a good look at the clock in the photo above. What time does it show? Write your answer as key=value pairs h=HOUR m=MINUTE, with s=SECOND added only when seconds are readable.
h=1 m=14
